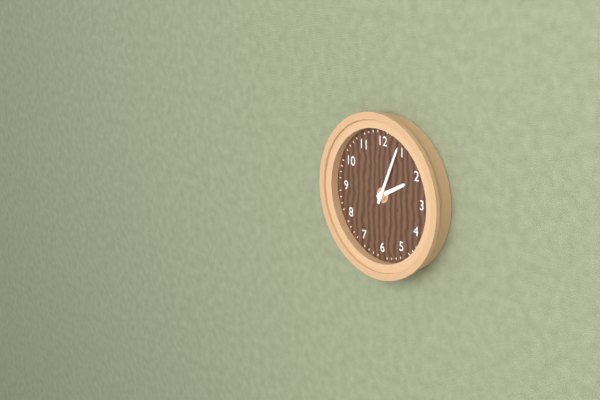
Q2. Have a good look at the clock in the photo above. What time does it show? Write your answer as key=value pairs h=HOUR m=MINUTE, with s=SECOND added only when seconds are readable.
h=2 m=4
